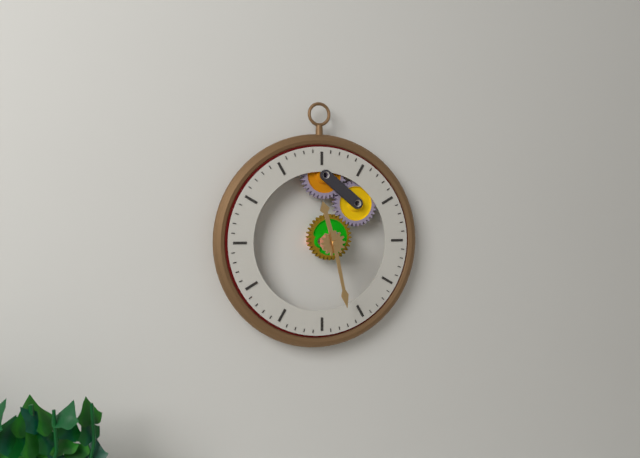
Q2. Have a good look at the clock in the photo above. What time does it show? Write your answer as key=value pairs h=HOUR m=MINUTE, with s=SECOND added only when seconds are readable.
h=11 m=28
